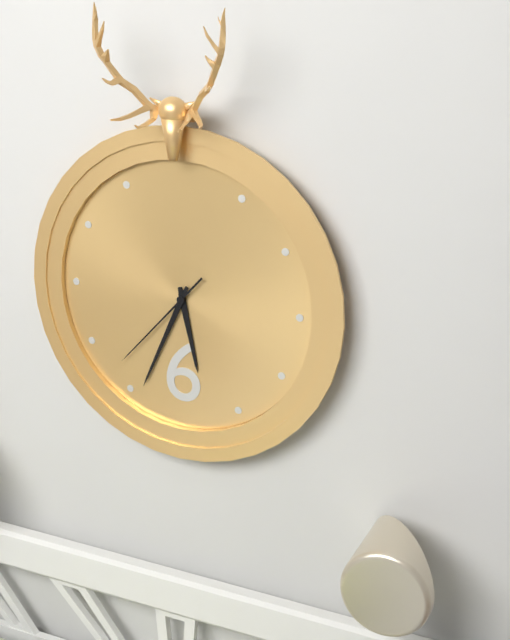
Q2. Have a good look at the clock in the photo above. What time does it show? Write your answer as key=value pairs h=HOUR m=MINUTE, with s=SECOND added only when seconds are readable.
h=5 m=34 s=37
